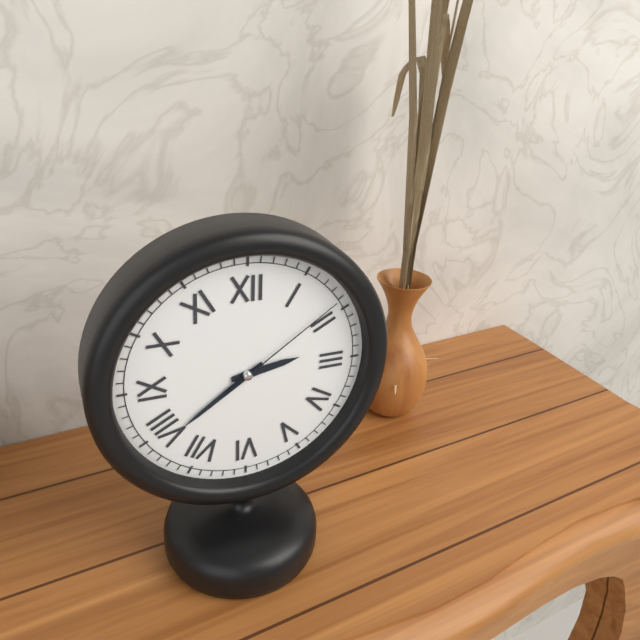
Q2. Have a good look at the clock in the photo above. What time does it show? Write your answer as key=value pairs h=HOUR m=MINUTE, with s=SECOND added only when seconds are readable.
h=2 m=39 s=9
